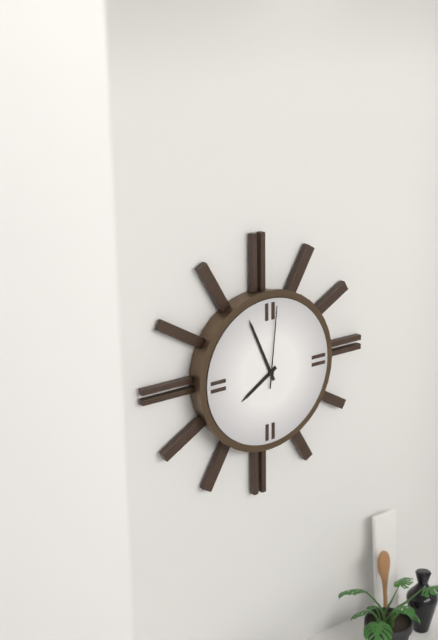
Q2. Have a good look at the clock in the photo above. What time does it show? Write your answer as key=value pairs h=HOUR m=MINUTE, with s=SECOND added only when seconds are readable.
h=7 m=56 s=1
